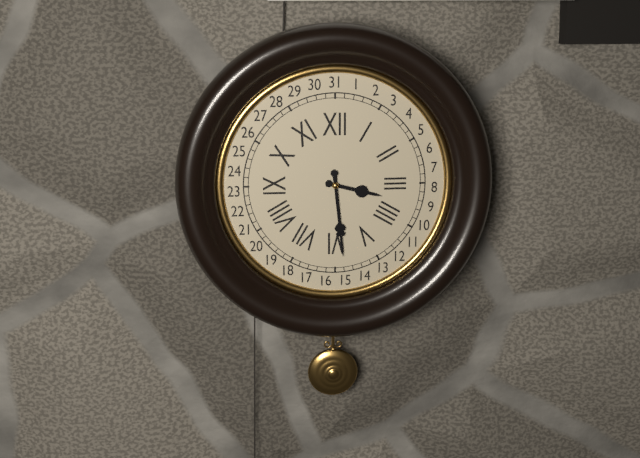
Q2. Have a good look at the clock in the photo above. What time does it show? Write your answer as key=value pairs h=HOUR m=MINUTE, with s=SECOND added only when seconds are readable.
h=3 m=29
